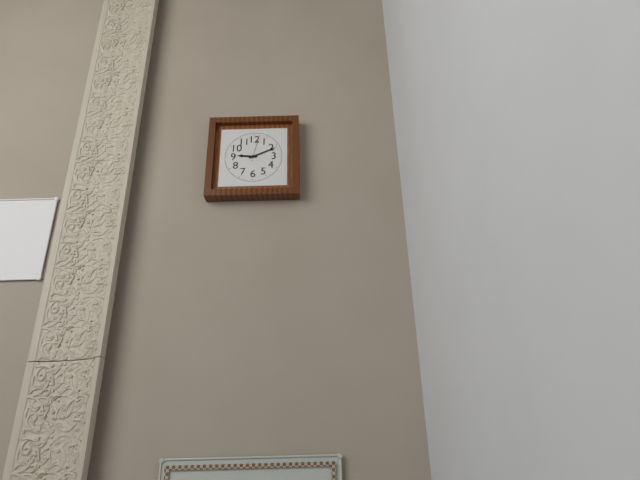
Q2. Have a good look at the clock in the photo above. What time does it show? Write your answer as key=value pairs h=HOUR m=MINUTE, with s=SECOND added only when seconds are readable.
h=9 m=11
